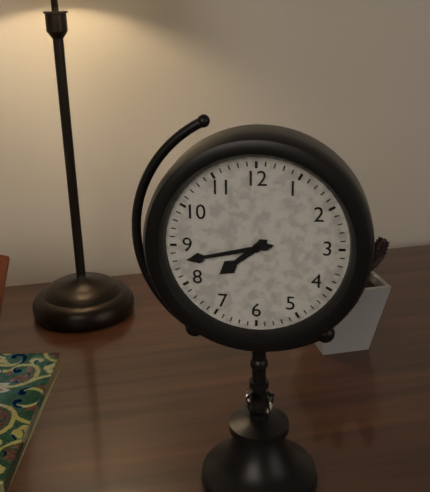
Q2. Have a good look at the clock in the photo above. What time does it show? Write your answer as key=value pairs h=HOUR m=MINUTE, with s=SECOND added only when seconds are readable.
h=7 m=43
